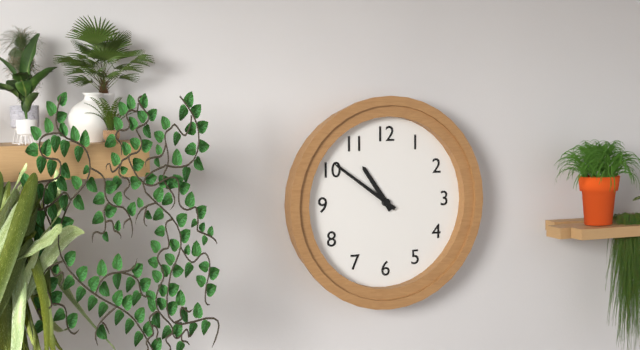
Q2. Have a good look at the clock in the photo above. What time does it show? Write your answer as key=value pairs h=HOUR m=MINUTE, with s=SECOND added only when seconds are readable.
h=10 m=51
